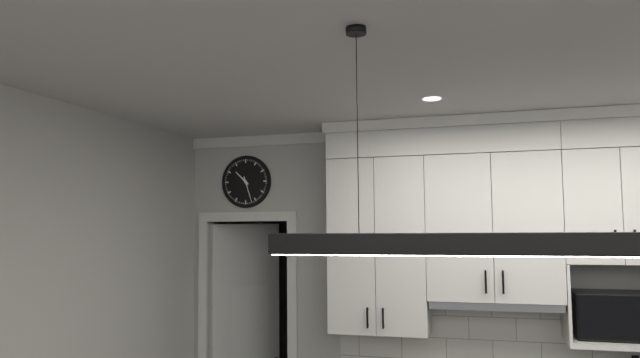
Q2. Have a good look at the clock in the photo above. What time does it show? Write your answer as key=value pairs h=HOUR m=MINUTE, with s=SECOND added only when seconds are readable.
h=10 m=27
